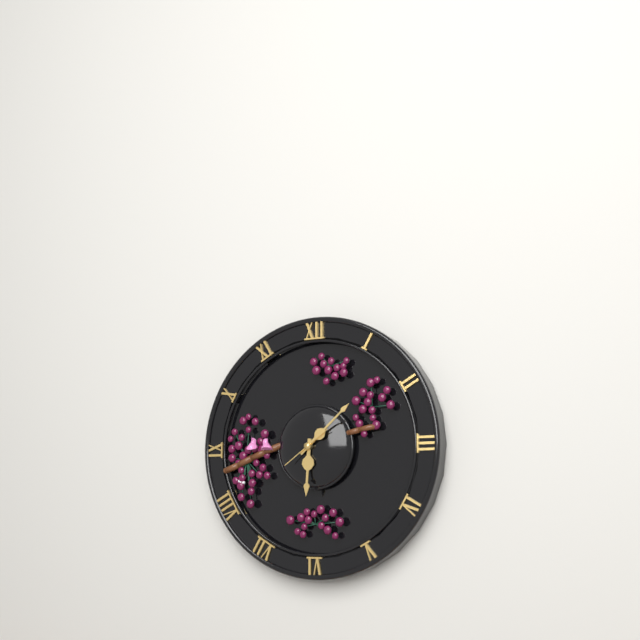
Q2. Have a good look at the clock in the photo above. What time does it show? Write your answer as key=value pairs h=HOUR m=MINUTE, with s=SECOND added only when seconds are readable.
h=6 m=8
